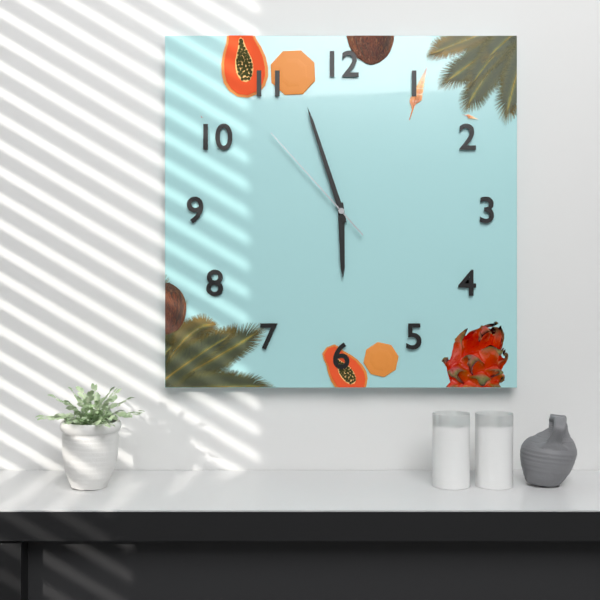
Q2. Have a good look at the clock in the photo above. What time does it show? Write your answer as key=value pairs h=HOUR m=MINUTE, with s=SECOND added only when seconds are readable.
h=5 m=57 s=53
